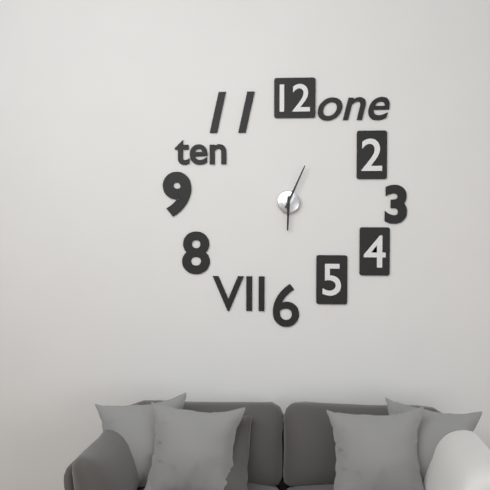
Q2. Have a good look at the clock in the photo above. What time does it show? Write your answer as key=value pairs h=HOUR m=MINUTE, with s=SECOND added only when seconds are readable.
h=6 m=4
